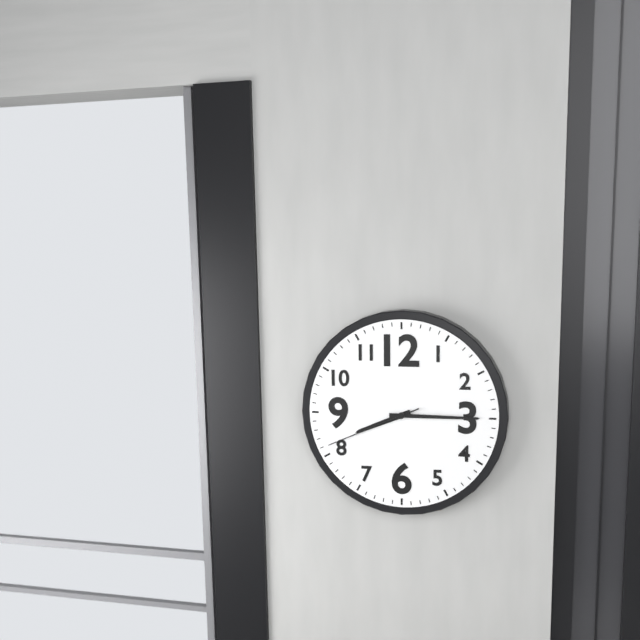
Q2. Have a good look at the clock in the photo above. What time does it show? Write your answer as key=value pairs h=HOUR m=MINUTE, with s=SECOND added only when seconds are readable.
h=8 m=15 s=41
